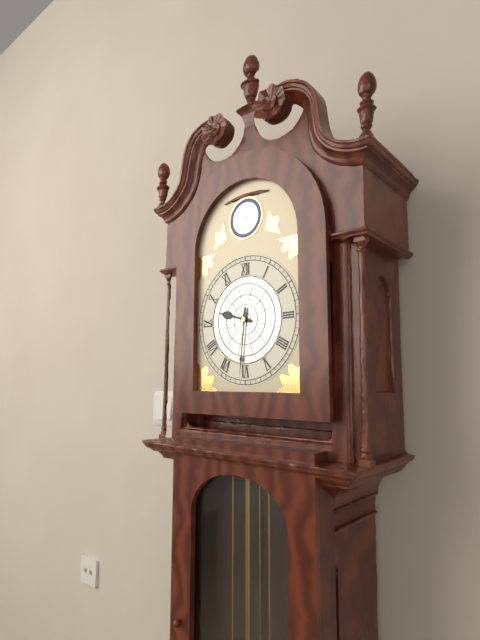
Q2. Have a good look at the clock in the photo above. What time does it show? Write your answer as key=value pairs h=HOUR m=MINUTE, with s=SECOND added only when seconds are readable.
h=9 m=31
